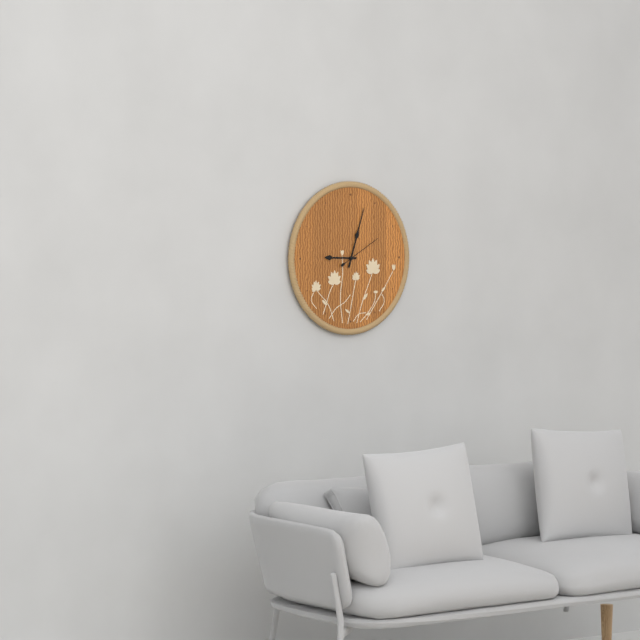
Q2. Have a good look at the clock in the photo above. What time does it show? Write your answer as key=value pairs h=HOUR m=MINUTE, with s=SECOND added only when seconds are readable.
h=9 m=3
